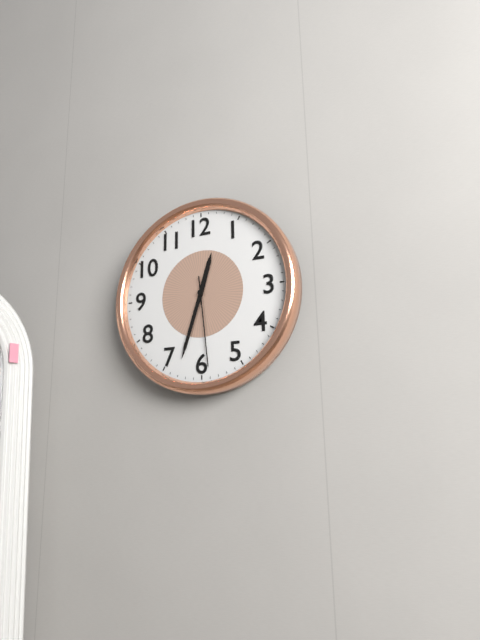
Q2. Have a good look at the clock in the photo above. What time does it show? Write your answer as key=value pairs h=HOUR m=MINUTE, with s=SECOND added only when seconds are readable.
h=12 m=33 s=29
